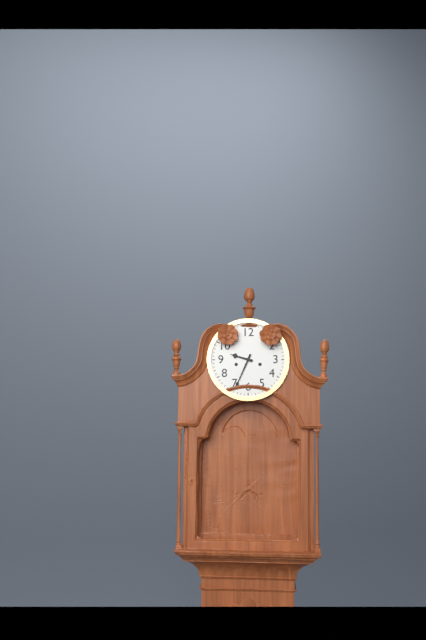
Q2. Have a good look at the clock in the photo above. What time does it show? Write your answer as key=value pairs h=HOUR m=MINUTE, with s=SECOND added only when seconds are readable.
h=9 m=34
